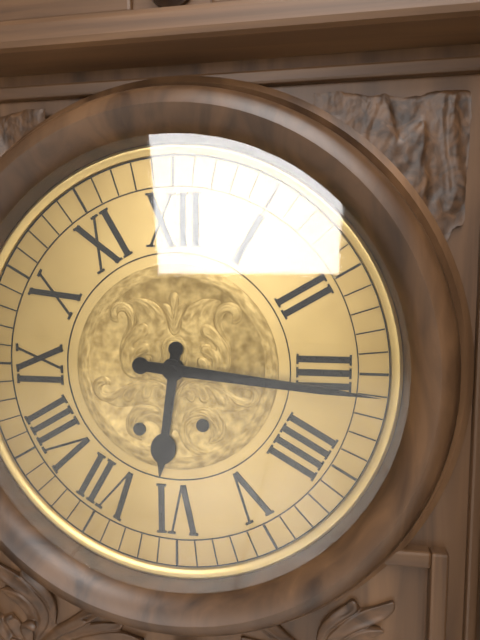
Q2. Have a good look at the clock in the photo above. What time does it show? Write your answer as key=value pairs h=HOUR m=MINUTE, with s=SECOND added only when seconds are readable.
h=6 m=16
